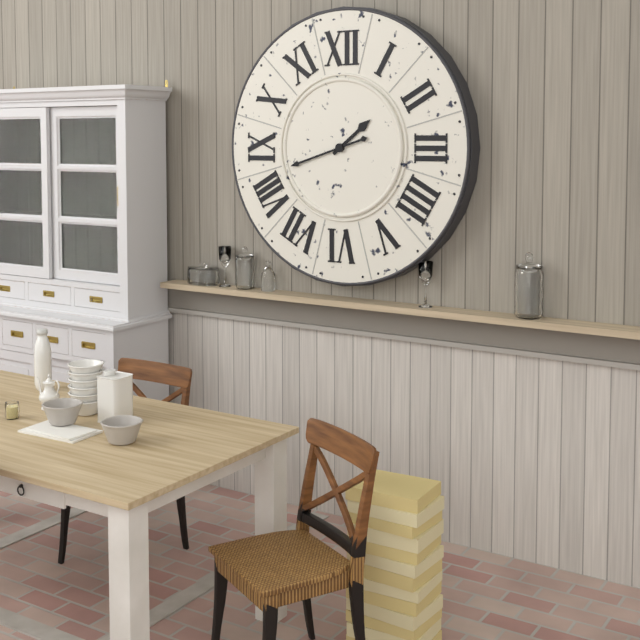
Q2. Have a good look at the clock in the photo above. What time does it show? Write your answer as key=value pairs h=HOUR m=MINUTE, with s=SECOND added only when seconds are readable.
h=1 m=42
